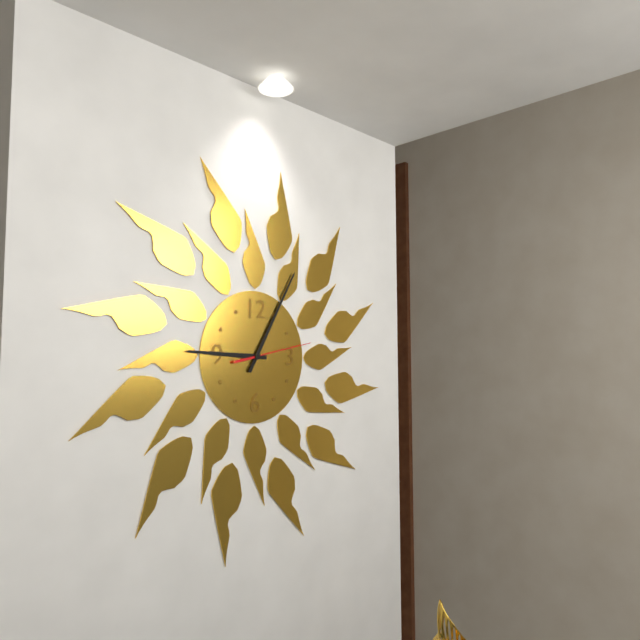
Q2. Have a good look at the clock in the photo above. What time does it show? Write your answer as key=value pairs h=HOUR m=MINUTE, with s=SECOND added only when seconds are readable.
h=9 m=5 s=13
